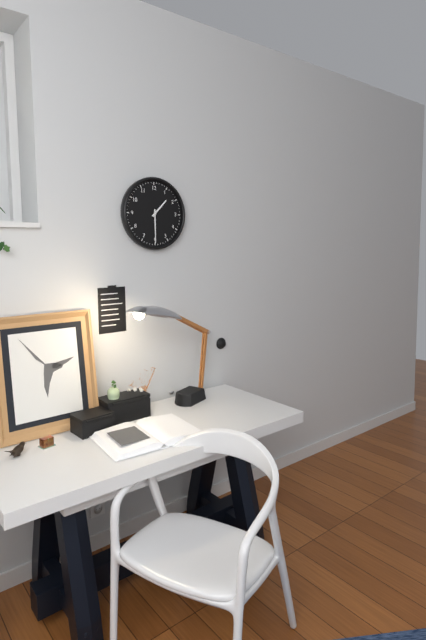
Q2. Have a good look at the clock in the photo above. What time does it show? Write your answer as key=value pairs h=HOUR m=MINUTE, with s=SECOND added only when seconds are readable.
h=1 m=30
